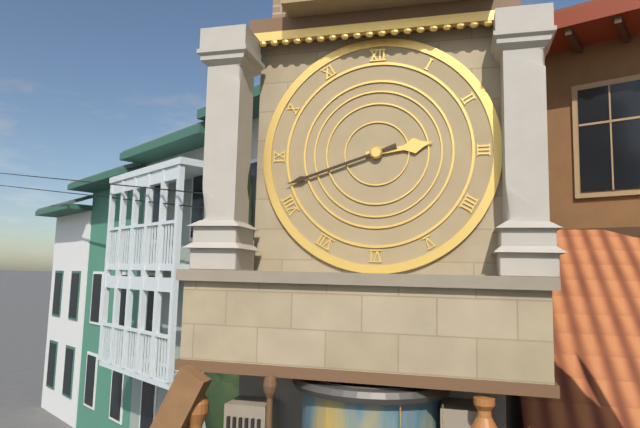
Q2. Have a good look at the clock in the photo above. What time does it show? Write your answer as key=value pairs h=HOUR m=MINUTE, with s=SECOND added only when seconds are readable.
h=2 m=42
